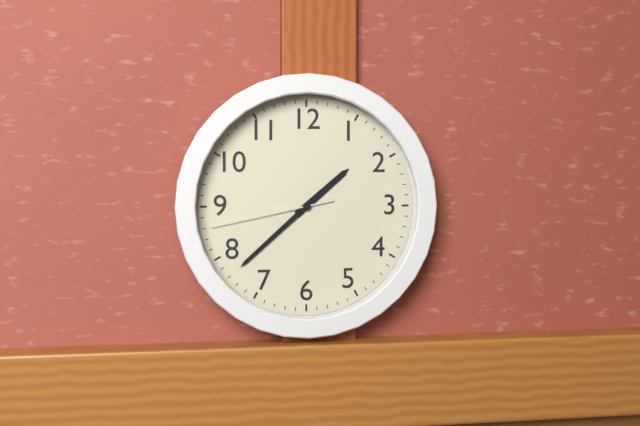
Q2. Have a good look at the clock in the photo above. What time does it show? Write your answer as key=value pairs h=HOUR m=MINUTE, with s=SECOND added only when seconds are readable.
h=1 m=38 s=43
